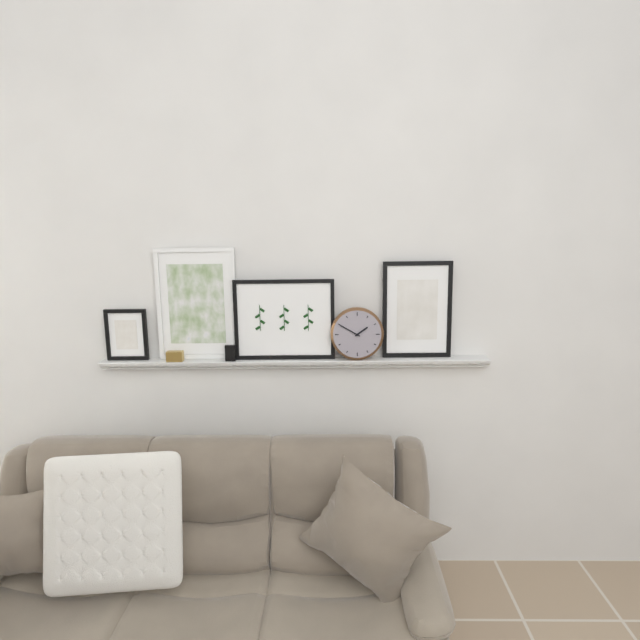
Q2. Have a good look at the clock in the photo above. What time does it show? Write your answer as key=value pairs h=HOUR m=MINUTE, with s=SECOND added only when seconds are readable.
h=1 m=50
